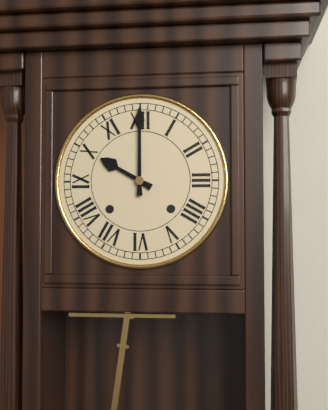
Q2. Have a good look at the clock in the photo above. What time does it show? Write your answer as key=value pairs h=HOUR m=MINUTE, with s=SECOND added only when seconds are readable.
h=10 m=0
